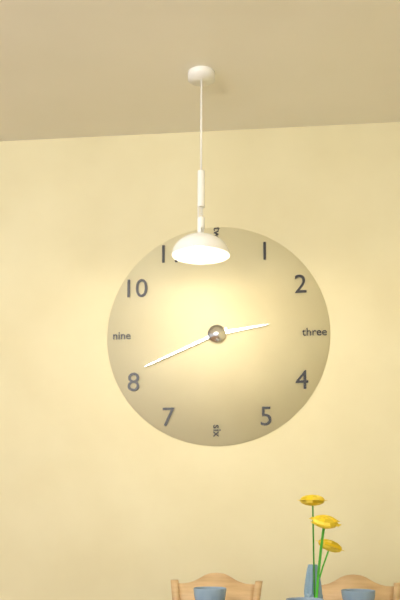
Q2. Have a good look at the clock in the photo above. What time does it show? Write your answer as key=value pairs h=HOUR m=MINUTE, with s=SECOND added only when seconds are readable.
h=2 m=41
